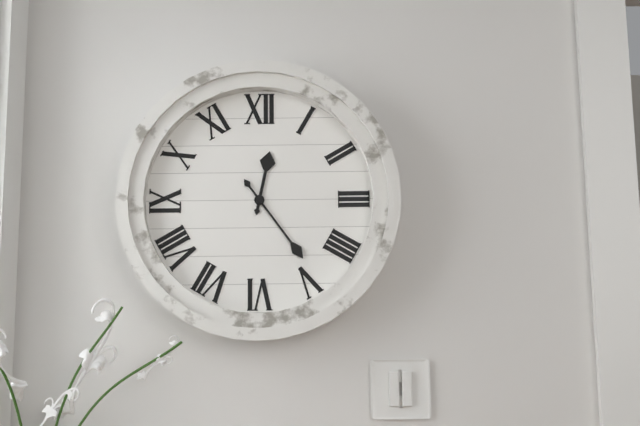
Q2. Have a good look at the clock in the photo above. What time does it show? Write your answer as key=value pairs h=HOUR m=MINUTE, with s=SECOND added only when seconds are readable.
h=12 m=24
